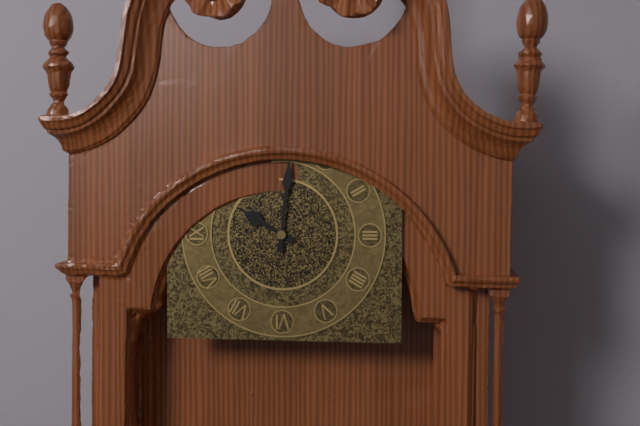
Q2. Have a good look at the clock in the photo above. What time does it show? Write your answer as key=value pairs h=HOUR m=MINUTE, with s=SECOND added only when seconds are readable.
h=10 m=1
